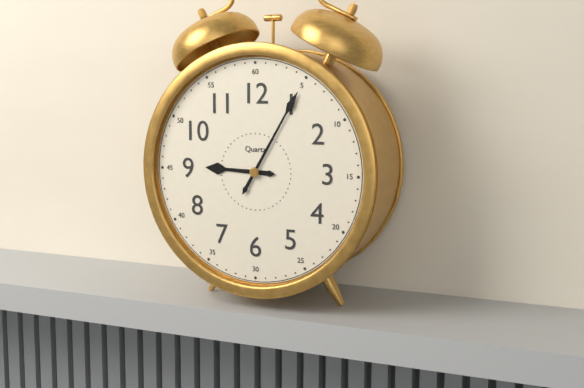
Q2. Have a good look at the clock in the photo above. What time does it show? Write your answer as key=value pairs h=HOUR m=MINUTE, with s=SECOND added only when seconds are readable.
h=9 m=5
